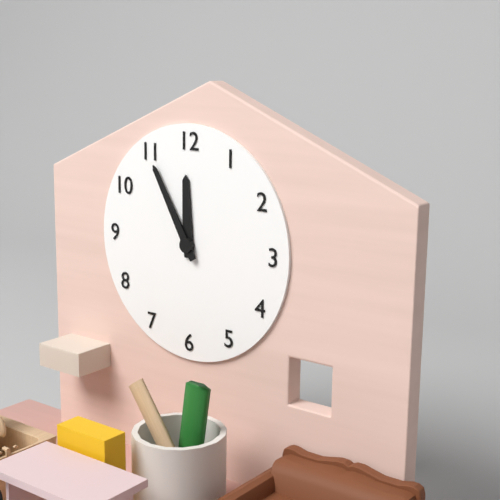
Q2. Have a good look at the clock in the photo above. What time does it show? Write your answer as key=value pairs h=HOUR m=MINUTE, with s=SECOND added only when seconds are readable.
h=11 m=55
